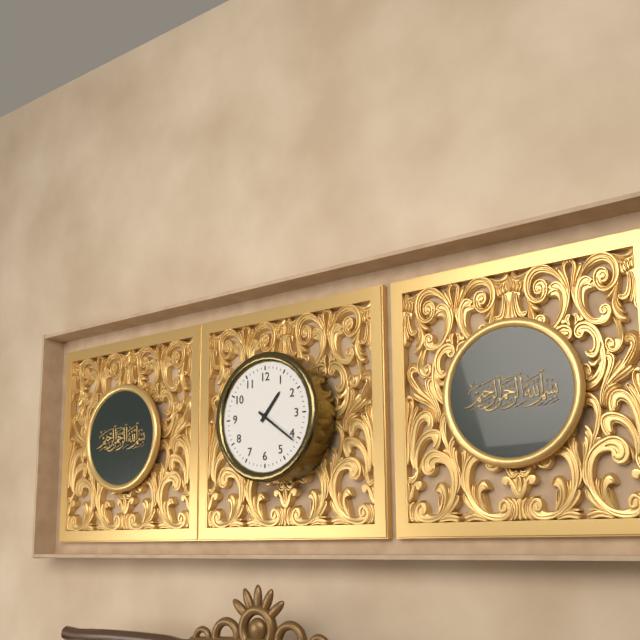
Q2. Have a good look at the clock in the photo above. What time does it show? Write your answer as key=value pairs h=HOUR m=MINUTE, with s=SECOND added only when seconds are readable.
h=1 m=21
